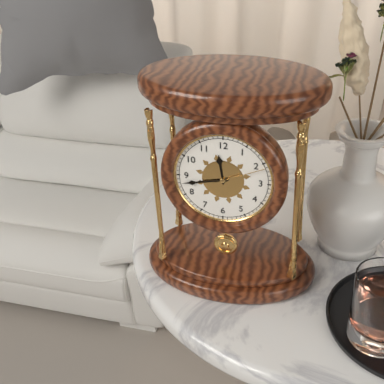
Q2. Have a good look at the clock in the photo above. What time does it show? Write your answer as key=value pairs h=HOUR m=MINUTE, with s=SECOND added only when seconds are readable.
h=11 m=43 s=11
